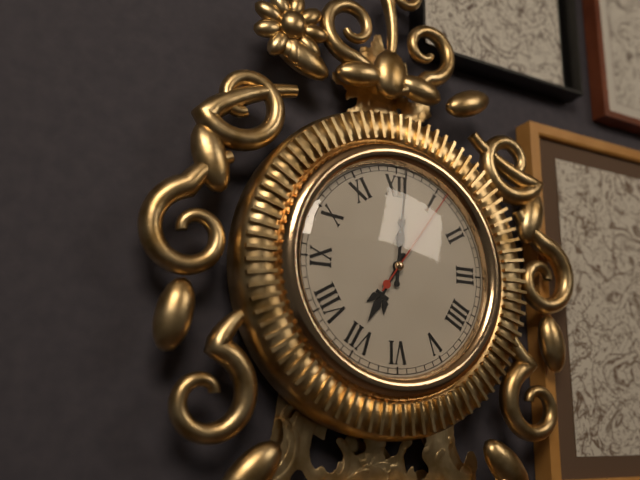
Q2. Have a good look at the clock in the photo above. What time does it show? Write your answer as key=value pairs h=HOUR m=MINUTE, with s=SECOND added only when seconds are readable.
h=7 m=1 s=6
